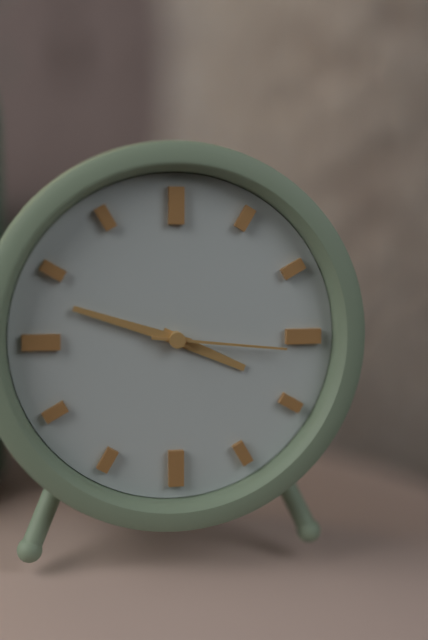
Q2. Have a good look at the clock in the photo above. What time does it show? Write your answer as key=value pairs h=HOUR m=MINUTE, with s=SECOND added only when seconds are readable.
h=3 m=48 s=16
